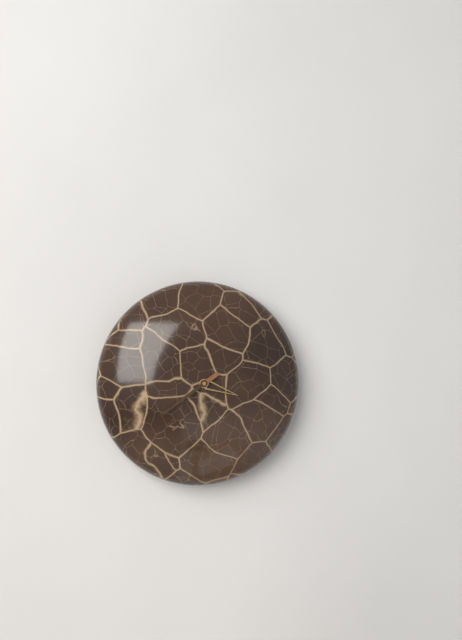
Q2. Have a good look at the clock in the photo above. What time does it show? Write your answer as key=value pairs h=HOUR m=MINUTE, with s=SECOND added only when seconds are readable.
h=3 m=39
